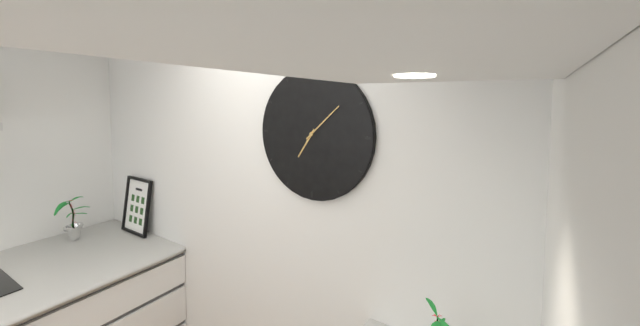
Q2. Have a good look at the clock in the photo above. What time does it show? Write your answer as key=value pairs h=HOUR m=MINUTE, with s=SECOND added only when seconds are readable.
h=7 m=8
